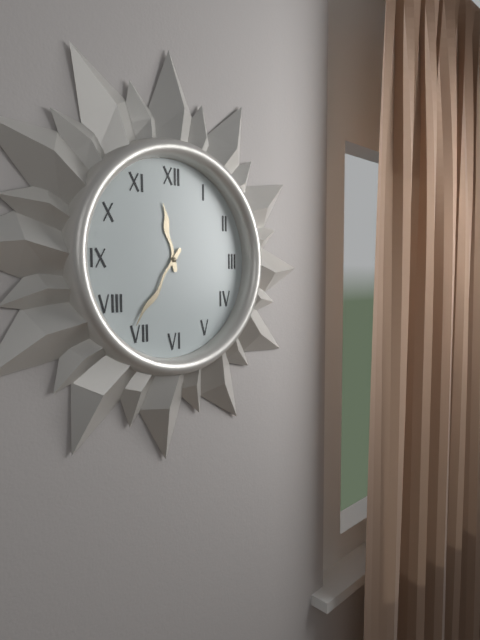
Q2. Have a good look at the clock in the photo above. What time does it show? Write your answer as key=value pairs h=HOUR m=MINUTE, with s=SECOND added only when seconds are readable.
h=11 m=36
